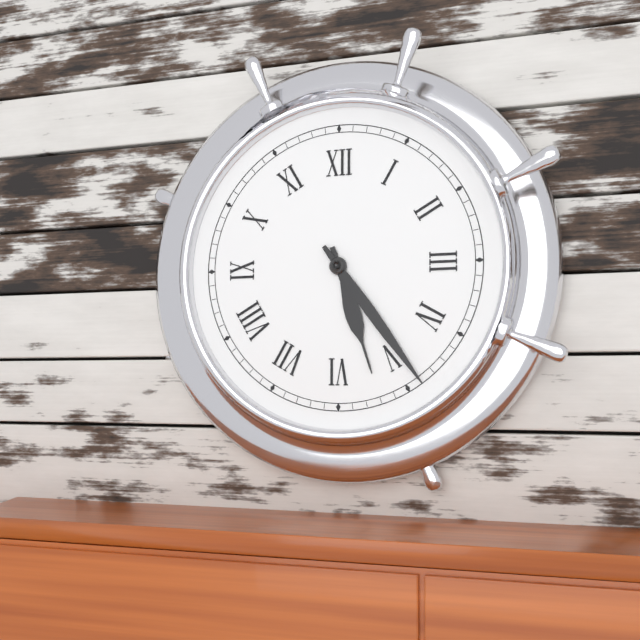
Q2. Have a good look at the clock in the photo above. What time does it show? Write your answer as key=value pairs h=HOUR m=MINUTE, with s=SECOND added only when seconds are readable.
h=5 m=24
